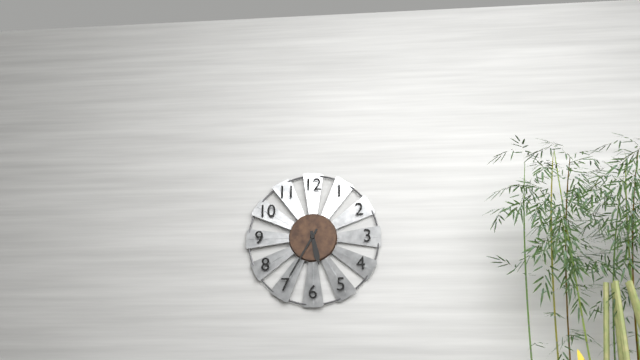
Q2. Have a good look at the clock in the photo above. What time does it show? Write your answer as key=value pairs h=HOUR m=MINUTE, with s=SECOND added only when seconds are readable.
h=5 m=35
